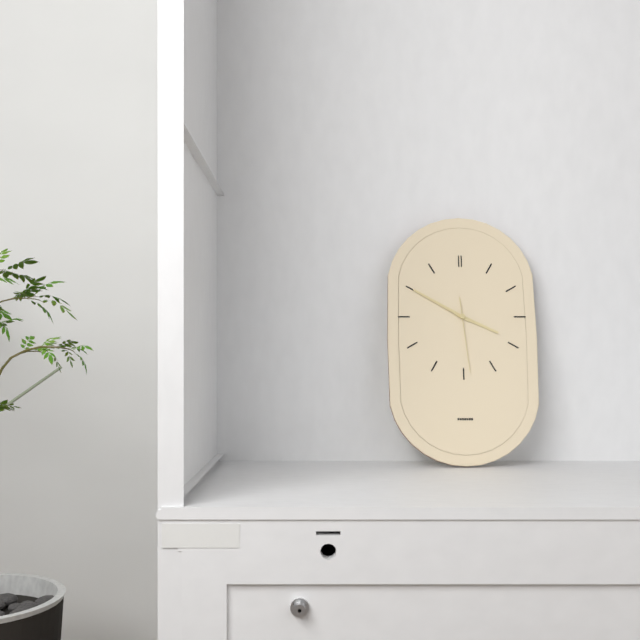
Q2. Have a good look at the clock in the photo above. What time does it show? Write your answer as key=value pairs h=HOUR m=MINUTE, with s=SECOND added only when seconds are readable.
h=3 m=50 s=29
